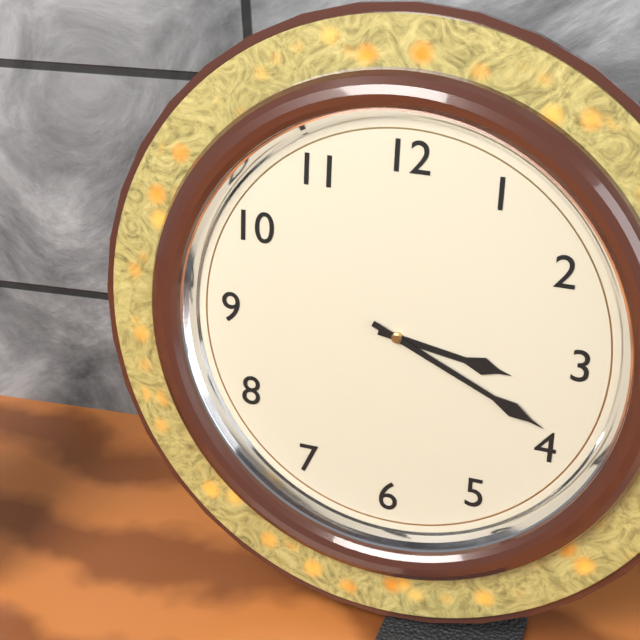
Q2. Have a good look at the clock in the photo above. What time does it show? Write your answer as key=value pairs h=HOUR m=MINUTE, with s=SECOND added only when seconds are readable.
h=3 m=19
